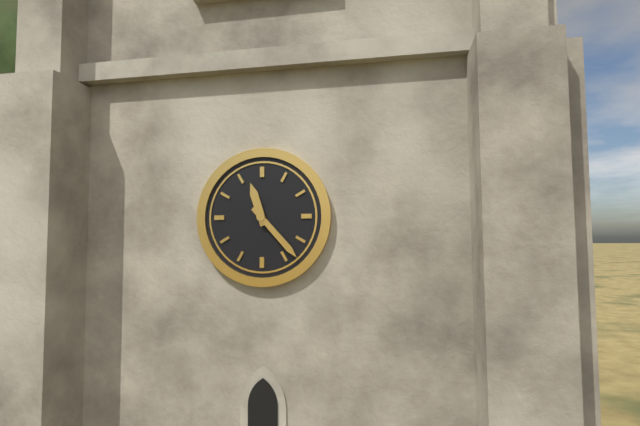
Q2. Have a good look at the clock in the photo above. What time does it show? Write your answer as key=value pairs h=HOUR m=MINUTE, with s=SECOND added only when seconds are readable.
h=11 m=23
